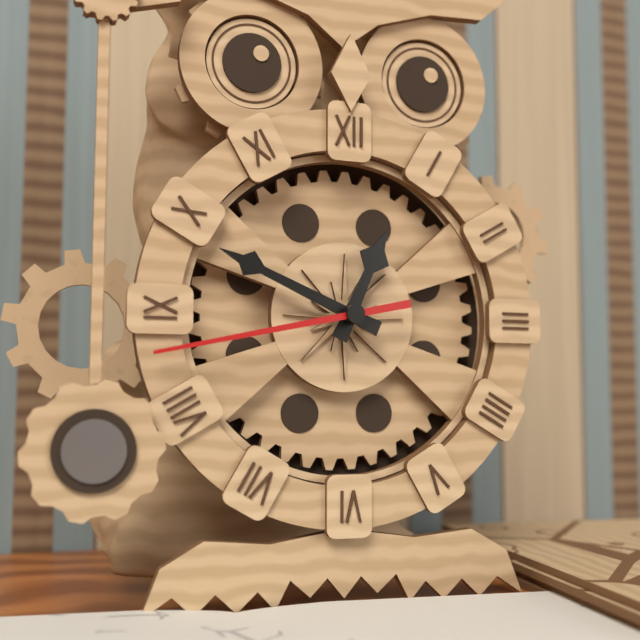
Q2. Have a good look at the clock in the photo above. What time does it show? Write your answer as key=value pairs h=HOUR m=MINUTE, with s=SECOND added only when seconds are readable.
h=12 m=49 s=43
